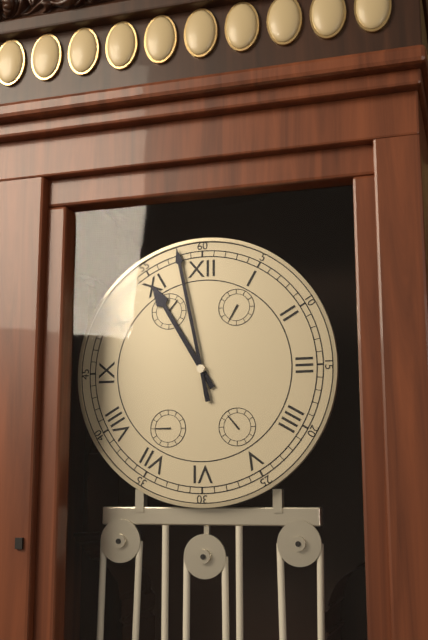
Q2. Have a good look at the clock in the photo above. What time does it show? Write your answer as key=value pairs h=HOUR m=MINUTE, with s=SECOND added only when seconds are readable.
h=10 m=58
